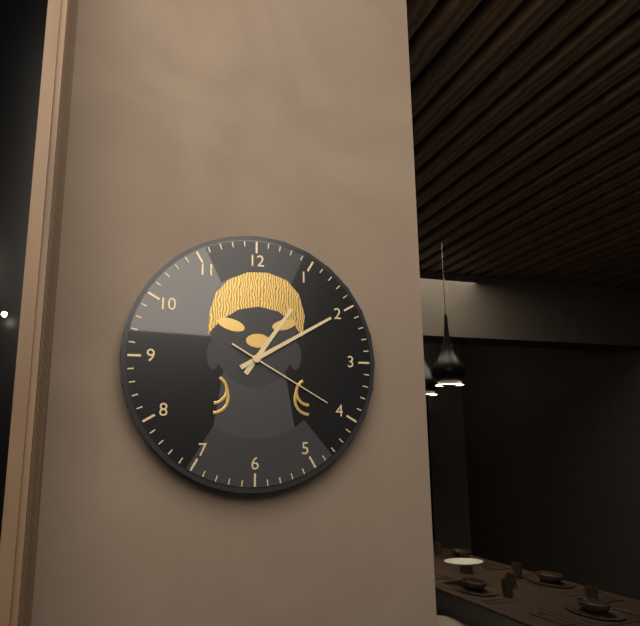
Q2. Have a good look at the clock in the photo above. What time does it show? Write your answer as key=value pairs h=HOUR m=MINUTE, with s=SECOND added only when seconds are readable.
h=1 m=10 s=20
